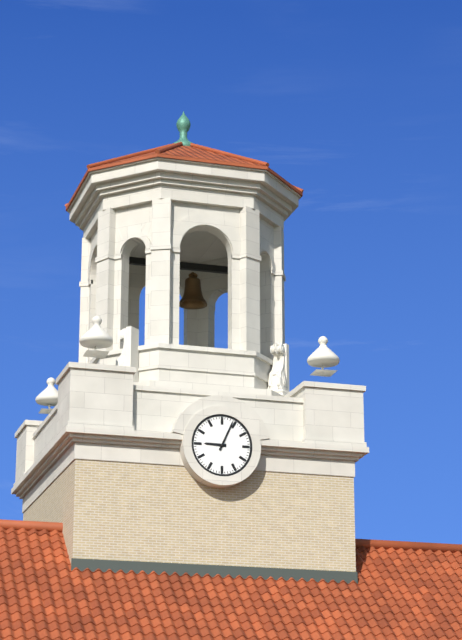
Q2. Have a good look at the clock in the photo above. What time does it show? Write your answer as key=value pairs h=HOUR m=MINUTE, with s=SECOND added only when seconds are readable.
h=9 m=4
